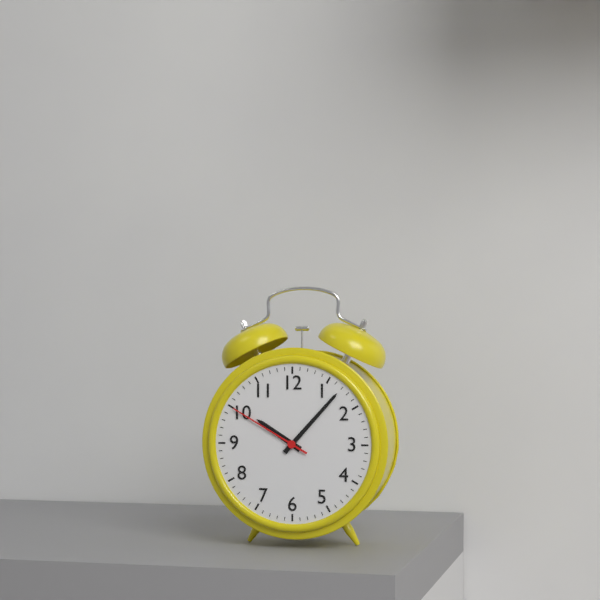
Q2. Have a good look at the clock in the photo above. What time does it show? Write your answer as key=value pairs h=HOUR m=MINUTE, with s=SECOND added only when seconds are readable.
h=10 m=7 s=50
